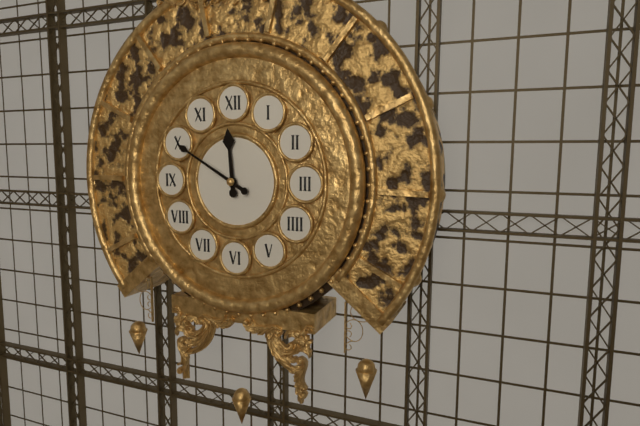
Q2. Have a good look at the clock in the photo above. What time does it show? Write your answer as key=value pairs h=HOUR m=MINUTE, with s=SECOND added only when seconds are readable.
h=11 m=50
